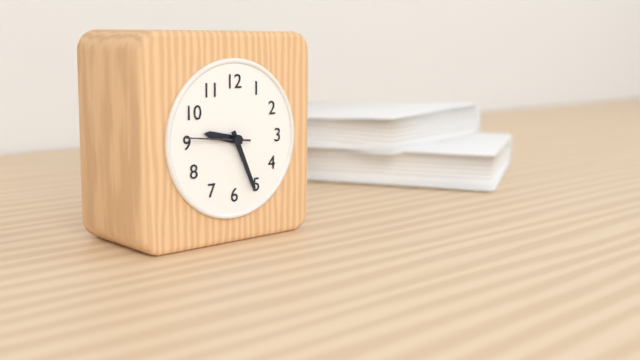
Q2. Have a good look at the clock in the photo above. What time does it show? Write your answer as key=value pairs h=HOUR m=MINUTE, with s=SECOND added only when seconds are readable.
h=9 m=26 s=46
